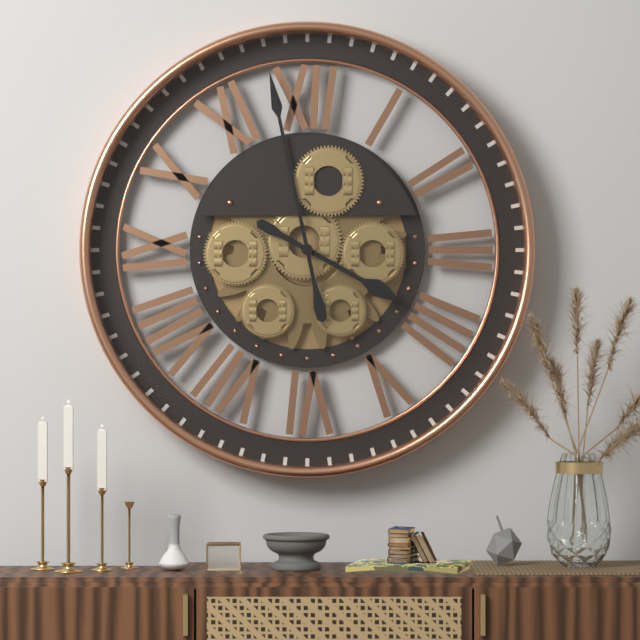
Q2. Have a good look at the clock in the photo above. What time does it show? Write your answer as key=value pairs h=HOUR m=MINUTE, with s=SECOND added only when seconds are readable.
h=3 m=58
